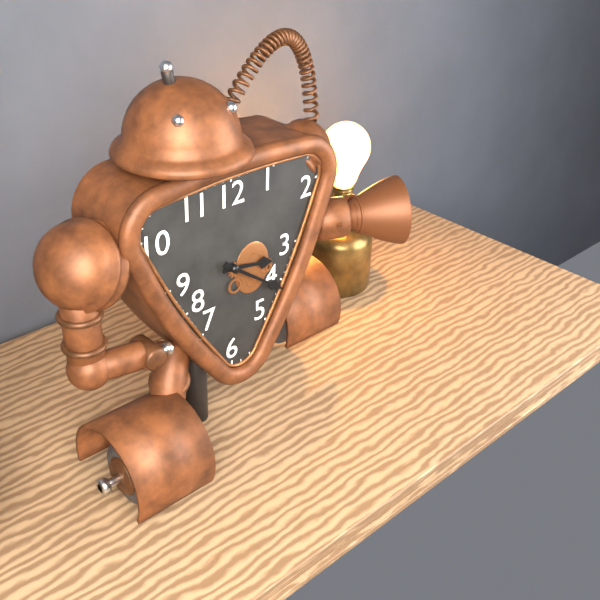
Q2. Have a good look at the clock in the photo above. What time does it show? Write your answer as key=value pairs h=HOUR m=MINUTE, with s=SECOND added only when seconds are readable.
h=3 m=21
